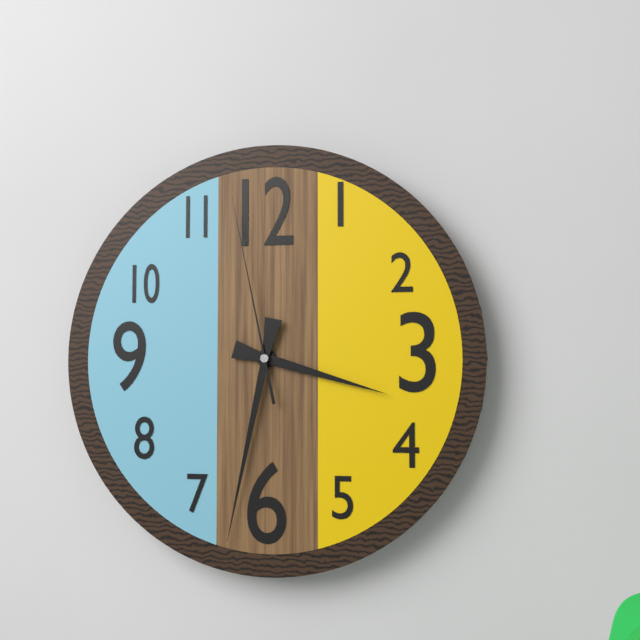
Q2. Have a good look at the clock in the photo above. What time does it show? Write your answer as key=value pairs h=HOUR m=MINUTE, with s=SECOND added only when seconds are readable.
h=3 m=32 s=58
